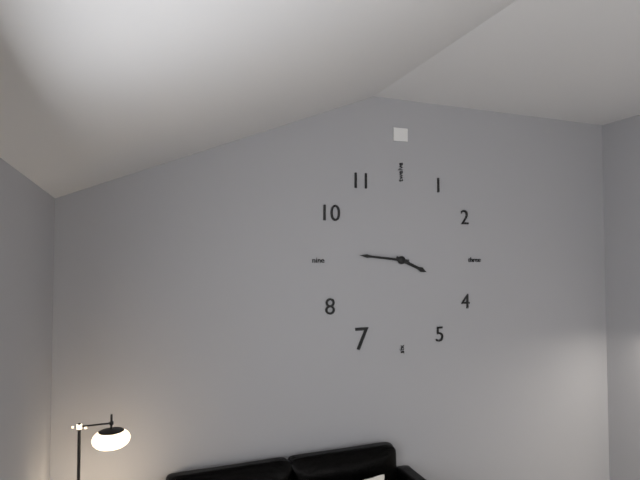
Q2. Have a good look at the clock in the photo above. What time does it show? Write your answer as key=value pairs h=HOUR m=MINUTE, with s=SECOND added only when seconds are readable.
h=3 m=46
